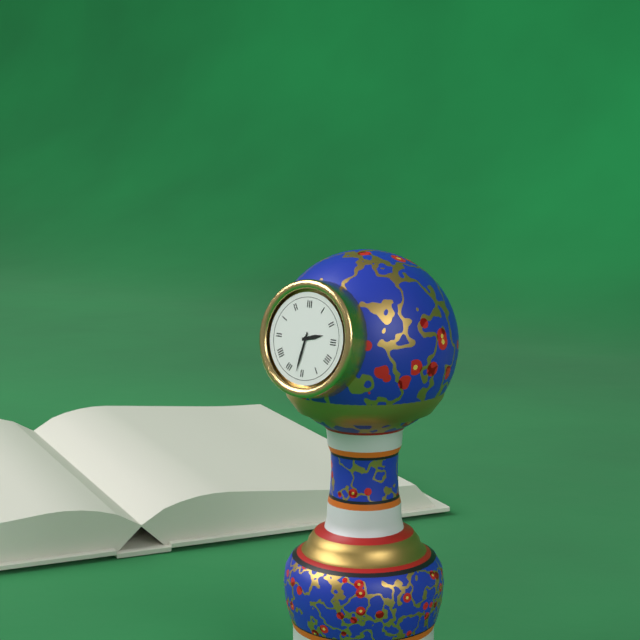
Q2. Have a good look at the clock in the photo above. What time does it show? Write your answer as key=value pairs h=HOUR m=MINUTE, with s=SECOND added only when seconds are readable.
h=2 m=32
